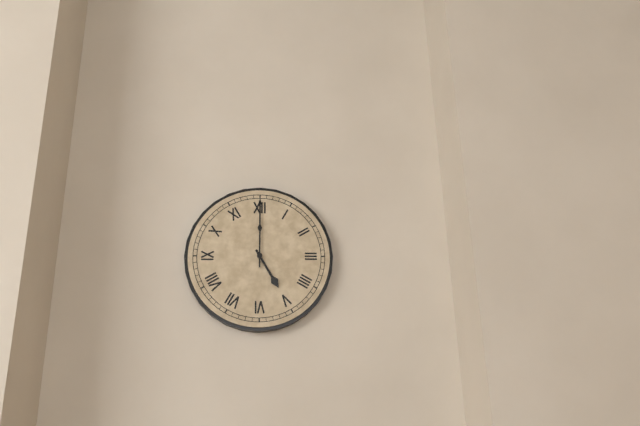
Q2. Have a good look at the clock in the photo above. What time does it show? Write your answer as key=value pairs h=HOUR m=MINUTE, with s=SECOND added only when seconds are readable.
h=5 m=0
